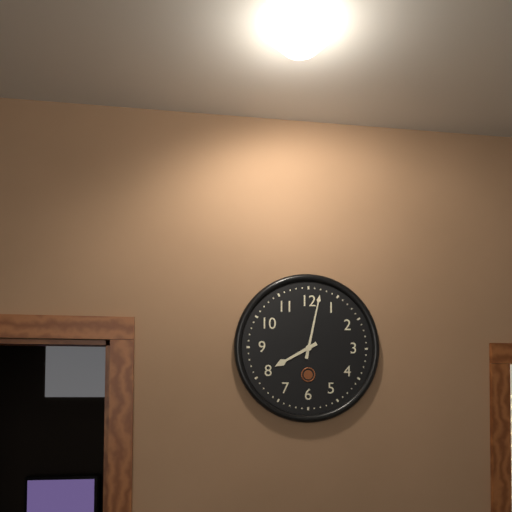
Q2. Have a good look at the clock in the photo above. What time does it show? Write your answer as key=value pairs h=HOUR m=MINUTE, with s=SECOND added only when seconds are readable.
h=8 m=2
